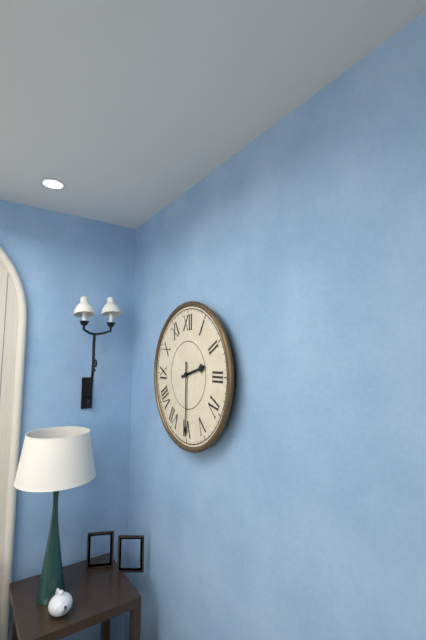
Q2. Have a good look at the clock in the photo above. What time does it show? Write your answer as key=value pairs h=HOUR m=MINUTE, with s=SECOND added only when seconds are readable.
h=2 m=30
